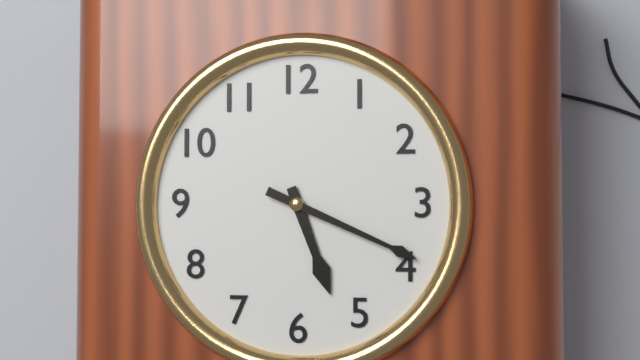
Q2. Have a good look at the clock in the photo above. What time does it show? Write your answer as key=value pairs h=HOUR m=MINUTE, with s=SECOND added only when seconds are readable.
h=5 m=19
